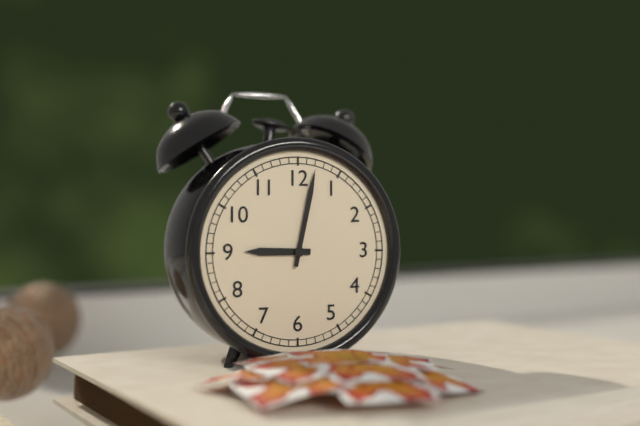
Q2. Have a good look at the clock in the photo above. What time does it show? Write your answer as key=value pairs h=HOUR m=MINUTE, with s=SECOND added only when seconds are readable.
h=9 m=2
